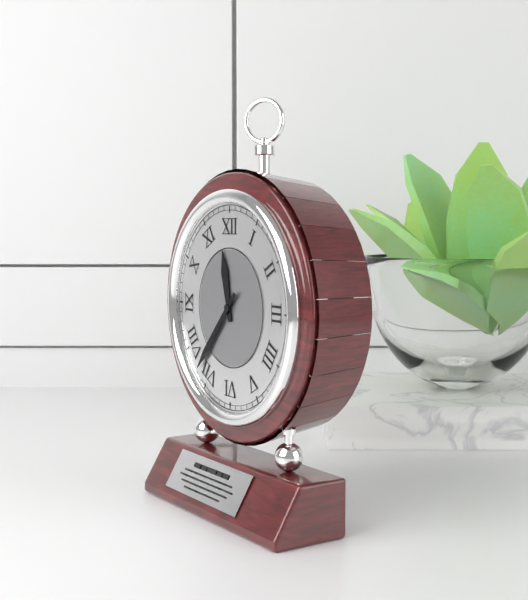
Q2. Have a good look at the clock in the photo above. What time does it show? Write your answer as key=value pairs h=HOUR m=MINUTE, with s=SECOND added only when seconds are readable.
h=11 m=37
